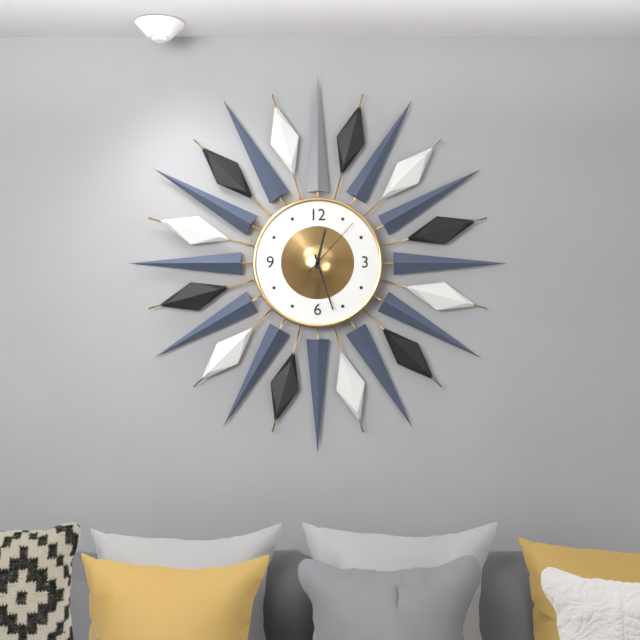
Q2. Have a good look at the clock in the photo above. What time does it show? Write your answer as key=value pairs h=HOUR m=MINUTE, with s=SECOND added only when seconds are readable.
h=12 m=27 s=7
